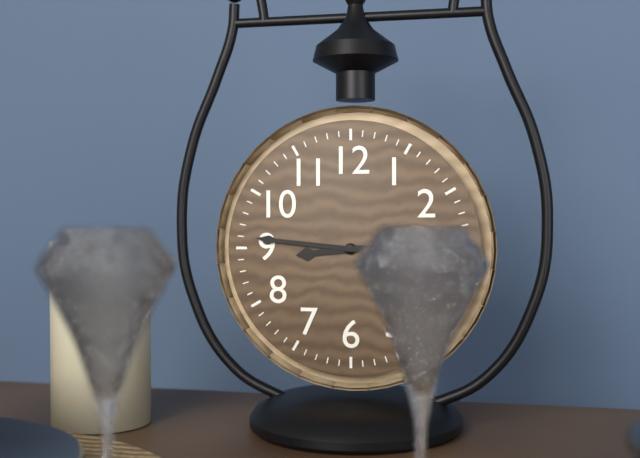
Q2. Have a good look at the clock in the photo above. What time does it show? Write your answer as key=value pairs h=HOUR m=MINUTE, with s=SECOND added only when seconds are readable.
h=8 m=46
